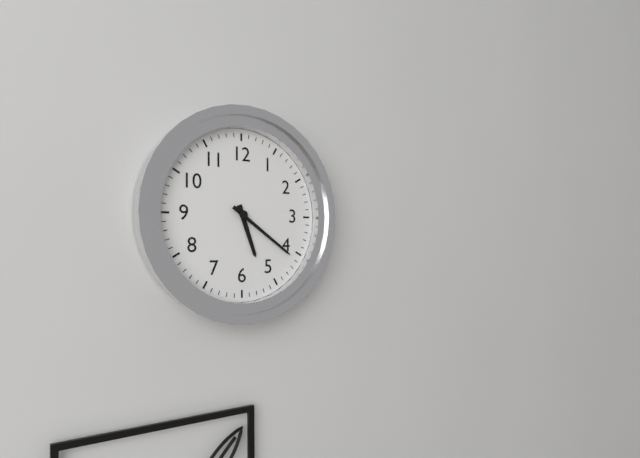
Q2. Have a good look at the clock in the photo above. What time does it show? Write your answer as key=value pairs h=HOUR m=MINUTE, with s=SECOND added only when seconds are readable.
h=5 m=21
